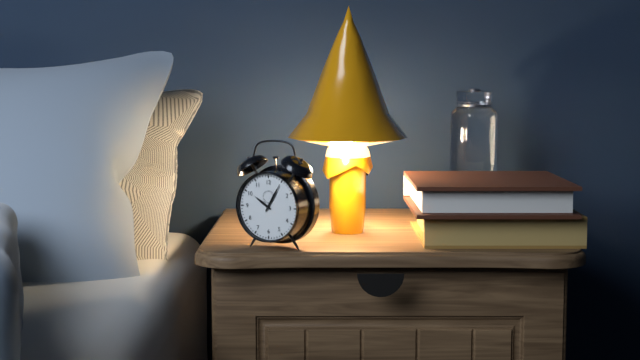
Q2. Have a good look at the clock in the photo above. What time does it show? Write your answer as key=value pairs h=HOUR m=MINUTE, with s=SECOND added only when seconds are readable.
h=10 m=5
